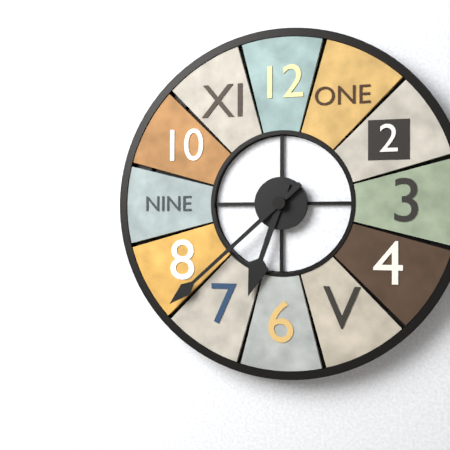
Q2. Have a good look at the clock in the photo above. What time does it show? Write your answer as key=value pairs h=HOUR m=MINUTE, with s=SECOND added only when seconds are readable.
h=6 m=38
